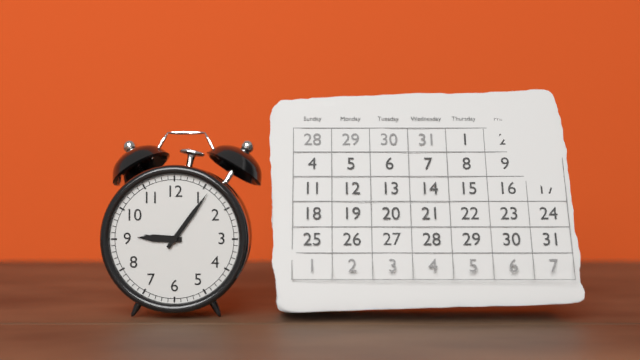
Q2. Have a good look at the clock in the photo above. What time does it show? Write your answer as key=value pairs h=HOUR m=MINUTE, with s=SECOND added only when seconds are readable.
h=9 m=6
